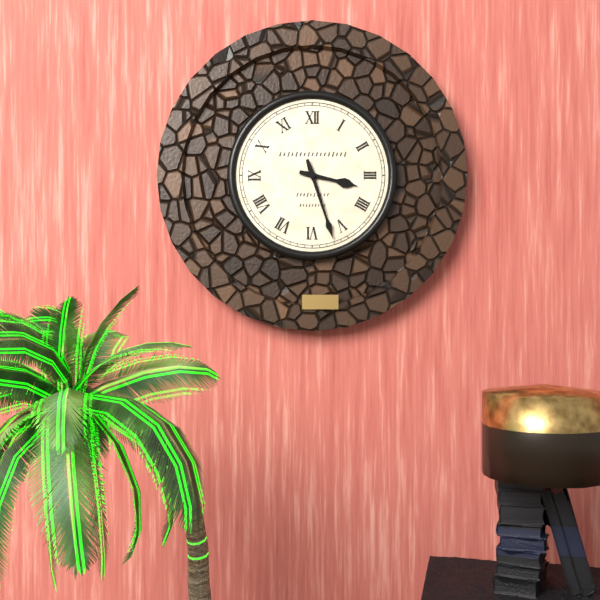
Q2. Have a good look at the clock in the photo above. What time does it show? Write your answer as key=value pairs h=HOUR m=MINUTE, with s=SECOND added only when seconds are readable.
h=3 m=27
